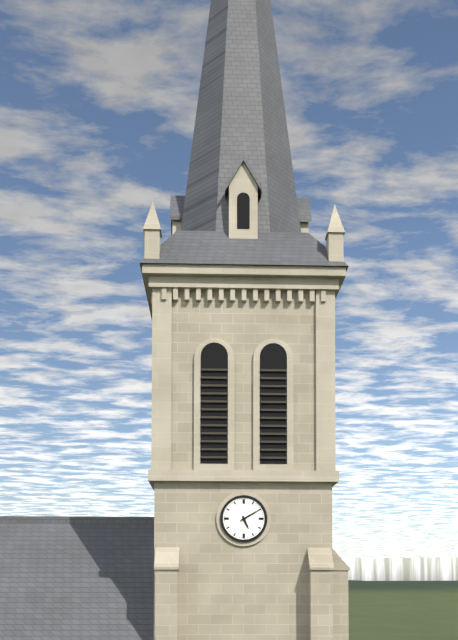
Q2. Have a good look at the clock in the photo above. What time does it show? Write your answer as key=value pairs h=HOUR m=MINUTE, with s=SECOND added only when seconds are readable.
h=5 m=10
